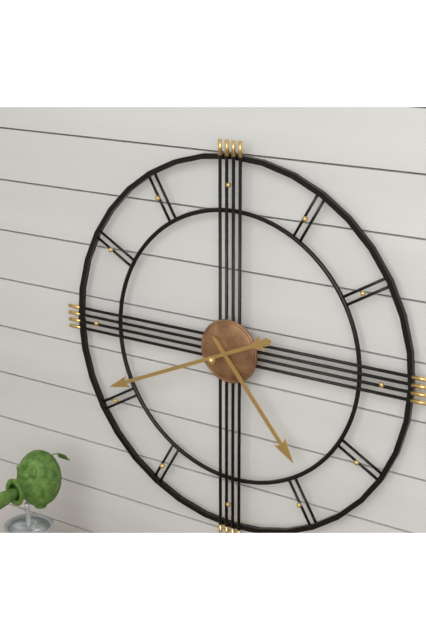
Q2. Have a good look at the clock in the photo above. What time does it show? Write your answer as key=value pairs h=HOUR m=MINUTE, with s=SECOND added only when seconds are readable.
h=4 m=41
